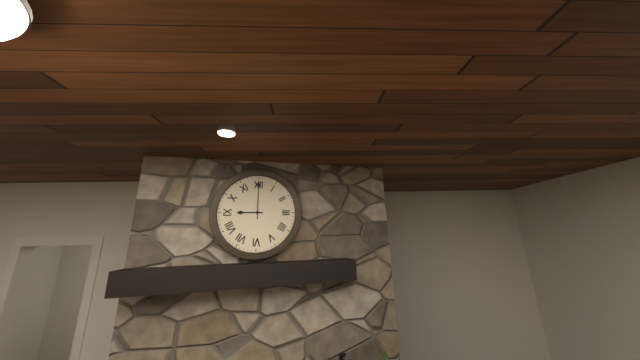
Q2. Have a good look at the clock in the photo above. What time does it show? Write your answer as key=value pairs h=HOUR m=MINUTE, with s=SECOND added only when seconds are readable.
h=9 m=0
